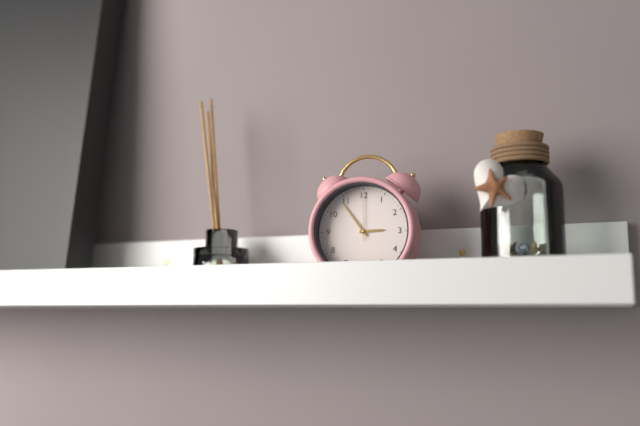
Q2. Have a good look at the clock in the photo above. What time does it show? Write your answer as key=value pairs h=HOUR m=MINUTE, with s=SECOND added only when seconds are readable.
h=2 m=54
